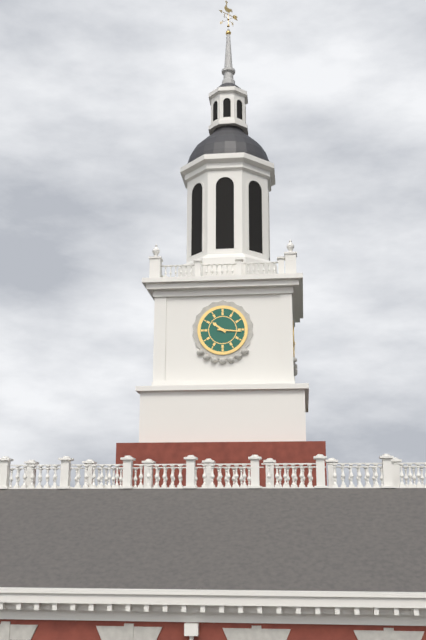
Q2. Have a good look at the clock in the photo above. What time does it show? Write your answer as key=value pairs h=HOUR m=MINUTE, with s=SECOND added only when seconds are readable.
h=10 m=16
